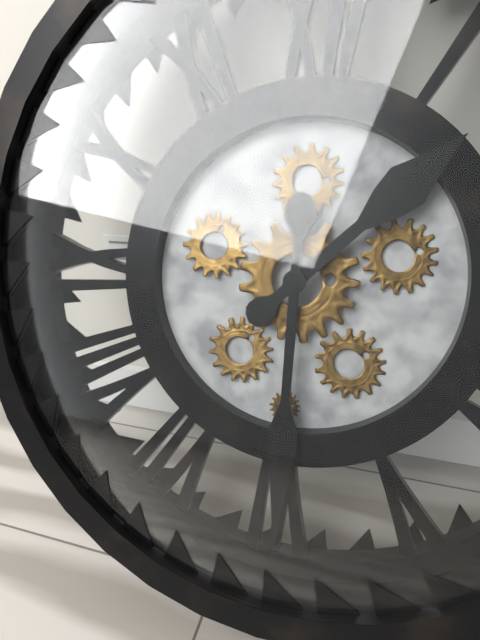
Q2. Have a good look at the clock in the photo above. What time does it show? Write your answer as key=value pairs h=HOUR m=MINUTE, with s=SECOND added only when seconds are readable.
h=1 m=30
